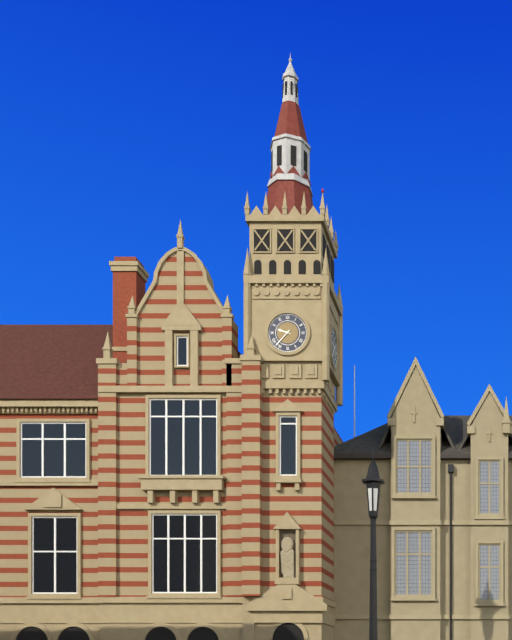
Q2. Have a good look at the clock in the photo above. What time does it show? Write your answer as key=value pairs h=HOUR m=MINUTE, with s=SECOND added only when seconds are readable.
h=9 m=37
